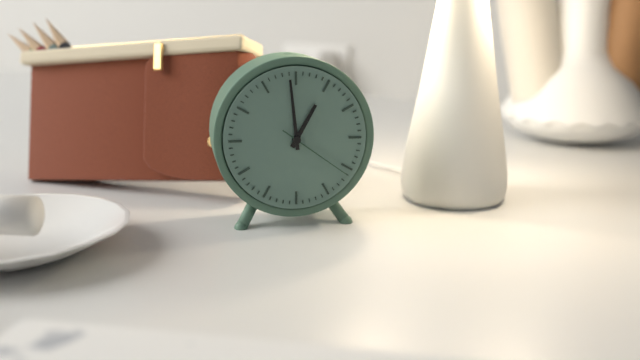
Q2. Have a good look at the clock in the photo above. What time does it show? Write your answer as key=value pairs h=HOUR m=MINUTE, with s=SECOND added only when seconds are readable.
h=12 m=59 s=21
